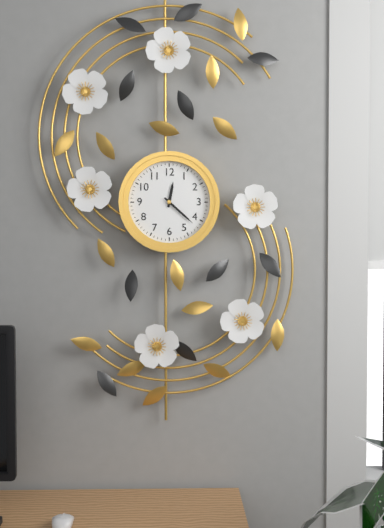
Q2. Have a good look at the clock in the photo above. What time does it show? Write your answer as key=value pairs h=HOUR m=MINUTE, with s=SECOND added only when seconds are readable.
h=12 m=22
